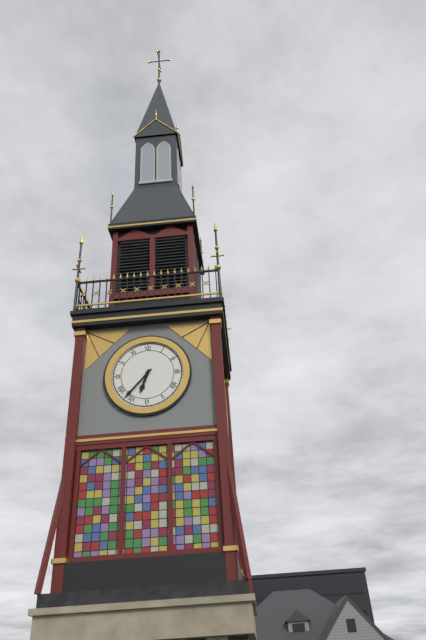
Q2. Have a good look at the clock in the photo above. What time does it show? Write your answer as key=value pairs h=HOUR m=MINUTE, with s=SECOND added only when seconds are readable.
h=6 m=37
